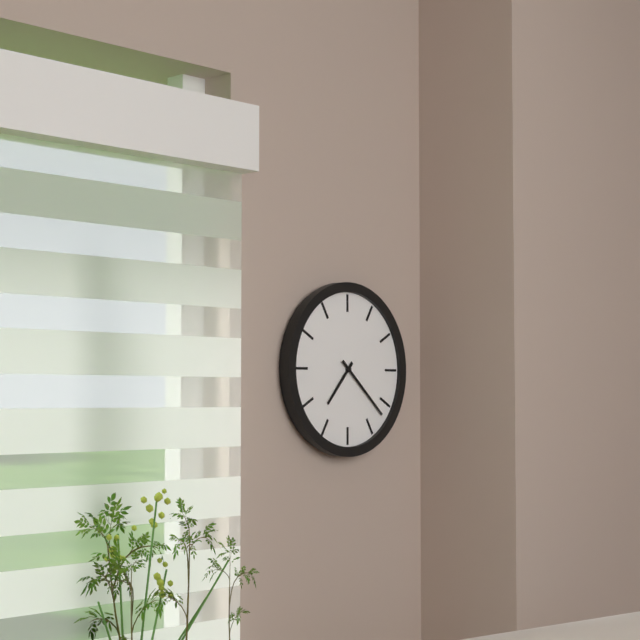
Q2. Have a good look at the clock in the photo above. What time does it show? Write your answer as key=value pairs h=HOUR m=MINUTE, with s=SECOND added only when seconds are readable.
h=7 m=22
